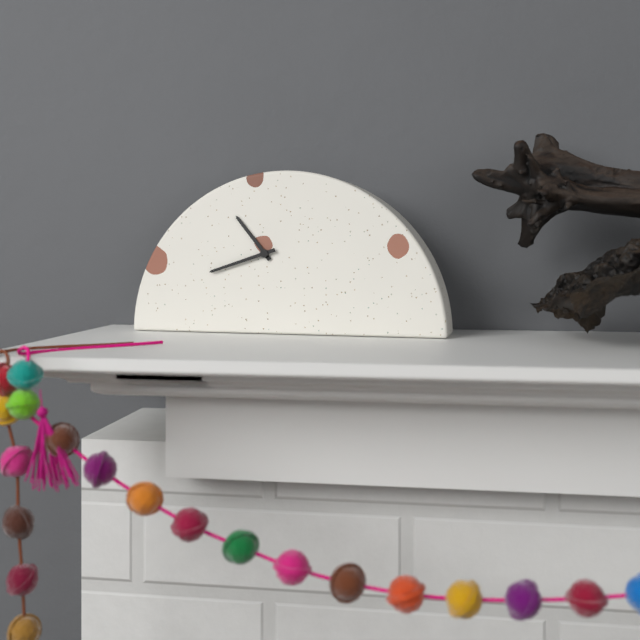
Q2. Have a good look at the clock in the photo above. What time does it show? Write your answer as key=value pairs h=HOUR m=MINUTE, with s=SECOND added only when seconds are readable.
h=10 m=42
